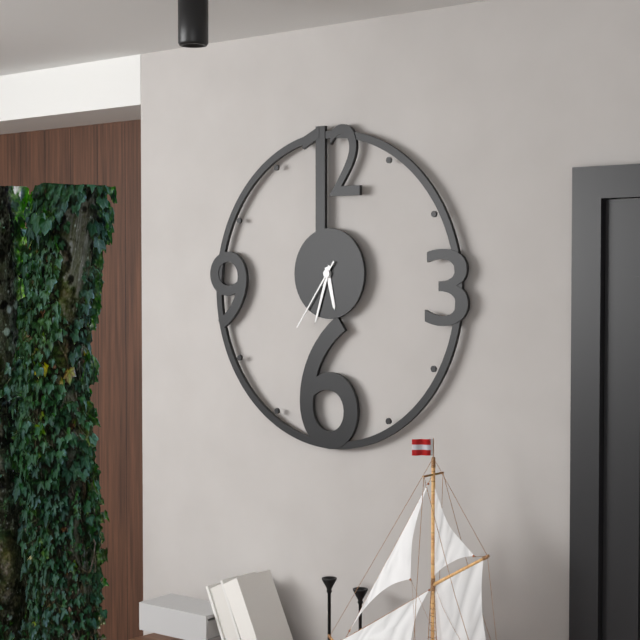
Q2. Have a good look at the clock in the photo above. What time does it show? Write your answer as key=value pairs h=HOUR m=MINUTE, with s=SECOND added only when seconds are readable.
h=5 m=33 s=36
